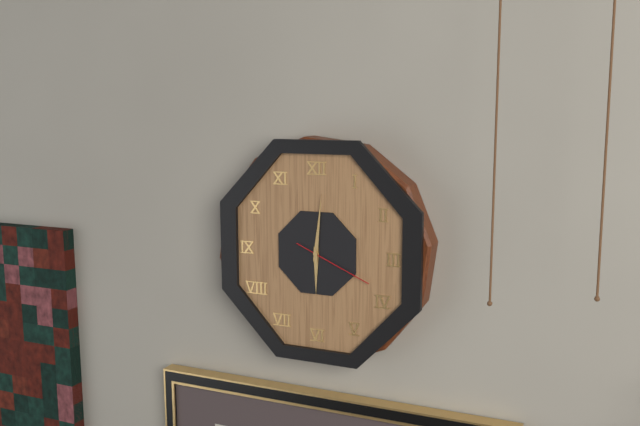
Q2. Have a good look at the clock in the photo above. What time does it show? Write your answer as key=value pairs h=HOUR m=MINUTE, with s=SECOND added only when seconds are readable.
h=6 m=1 s=19
